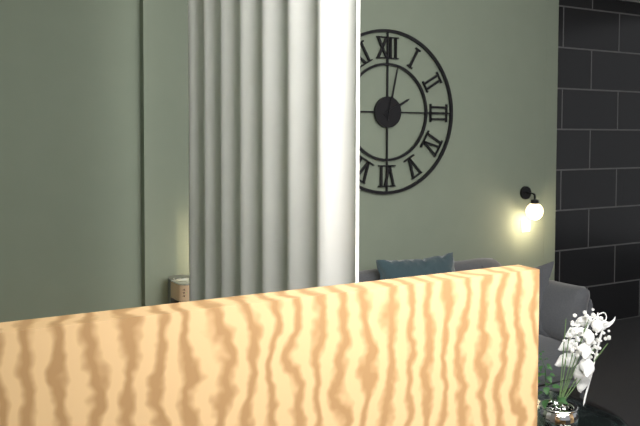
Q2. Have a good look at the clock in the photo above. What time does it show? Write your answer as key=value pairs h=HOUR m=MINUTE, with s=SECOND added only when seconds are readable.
h=2 m=2
